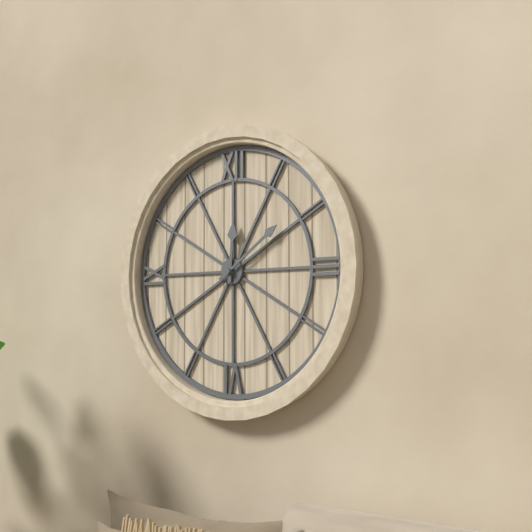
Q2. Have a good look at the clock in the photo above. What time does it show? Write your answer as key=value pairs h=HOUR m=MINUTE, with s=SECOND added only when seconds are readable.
h=12 m=9
